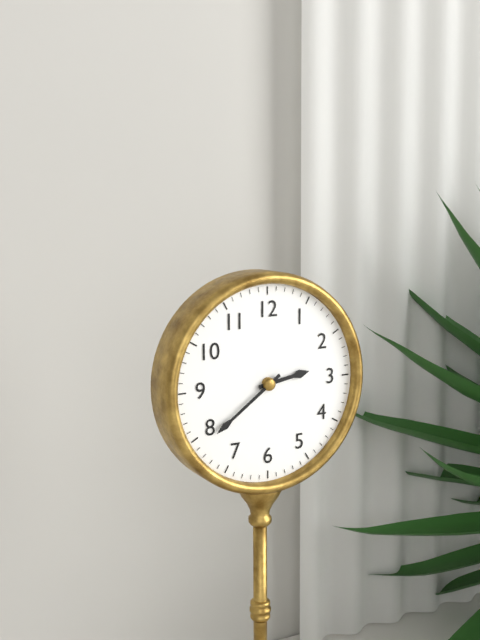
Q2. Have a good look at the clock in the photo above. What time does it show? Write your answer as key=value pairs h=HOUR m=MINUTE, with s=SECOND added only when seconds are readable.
h=2 m=39
